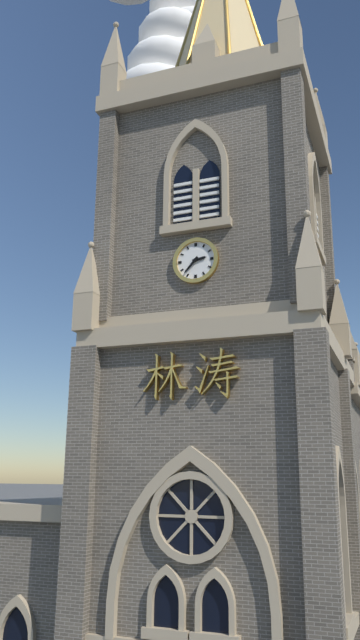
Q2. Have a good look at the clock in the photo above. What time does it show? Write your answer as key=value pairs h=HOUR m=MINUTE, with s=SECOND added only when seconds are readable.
h=2 m=37
